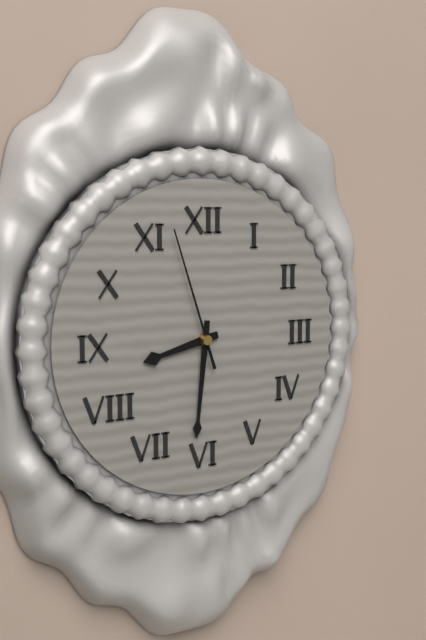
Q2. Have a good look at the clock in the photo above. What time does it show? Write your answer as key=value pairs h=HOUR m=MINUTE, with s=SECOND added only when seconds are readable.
h=8 m=31 s=57
